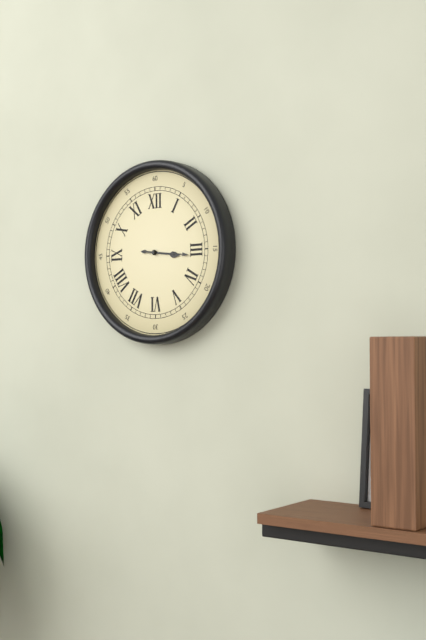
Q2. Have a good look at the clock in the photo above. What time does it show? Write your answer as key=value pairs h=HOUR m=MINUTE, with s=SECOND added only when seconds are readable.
h=3 m=16
